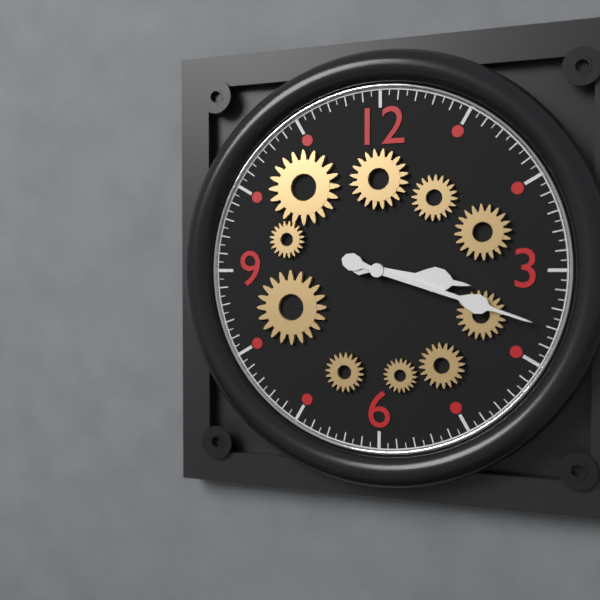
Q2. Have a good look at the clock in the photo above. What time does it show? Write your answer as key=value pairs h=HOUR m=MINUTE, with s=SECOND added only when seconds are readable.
h=3 m=18
